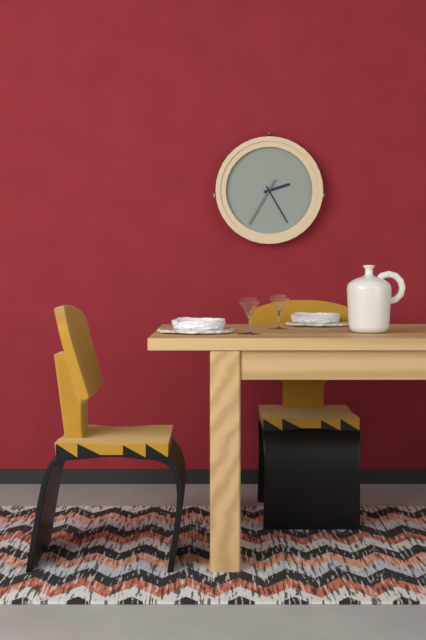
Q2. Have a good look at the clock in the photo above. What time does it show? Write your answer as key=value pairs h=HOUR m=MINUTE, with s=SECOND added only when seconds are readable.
h=2 m=25
